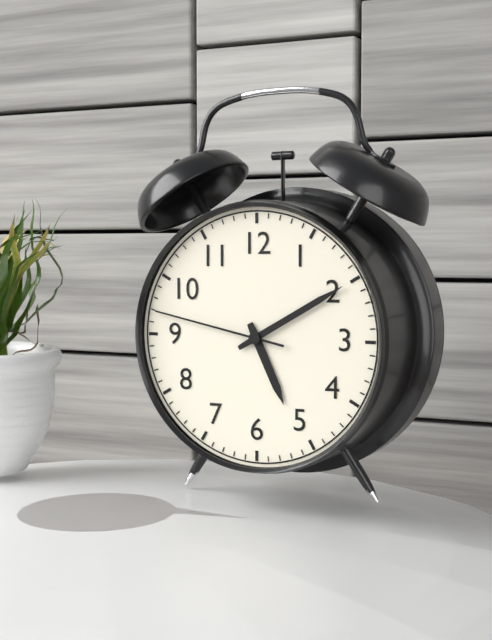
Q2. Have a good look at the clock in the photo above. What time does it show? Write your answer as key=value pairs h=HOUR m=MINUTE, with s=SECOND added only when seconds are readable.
h=5 m=10 s=47
